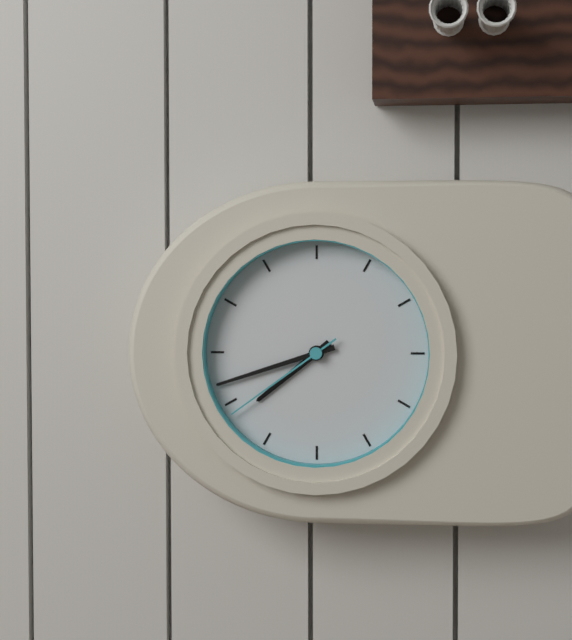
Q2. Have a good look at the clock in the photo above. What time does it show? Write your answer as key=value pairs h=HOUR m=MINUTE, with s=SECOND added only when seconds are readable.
h=7 m=42 s=39
